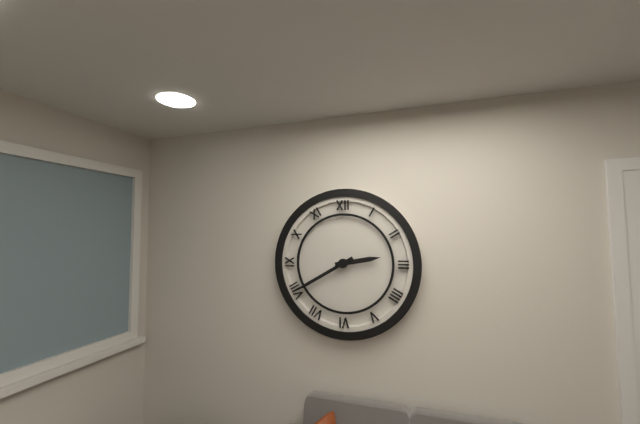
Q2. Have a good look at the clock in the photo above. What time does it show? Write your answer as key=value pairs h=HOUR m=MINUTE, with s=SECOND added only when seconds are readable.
h=2 m=40
